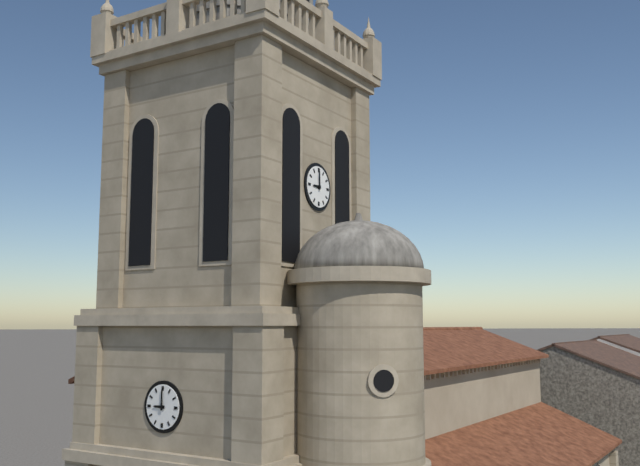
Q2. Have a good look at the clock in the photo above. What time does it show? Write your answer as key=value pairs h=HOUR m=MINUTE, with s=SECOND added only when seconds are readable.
h=9 m=0
